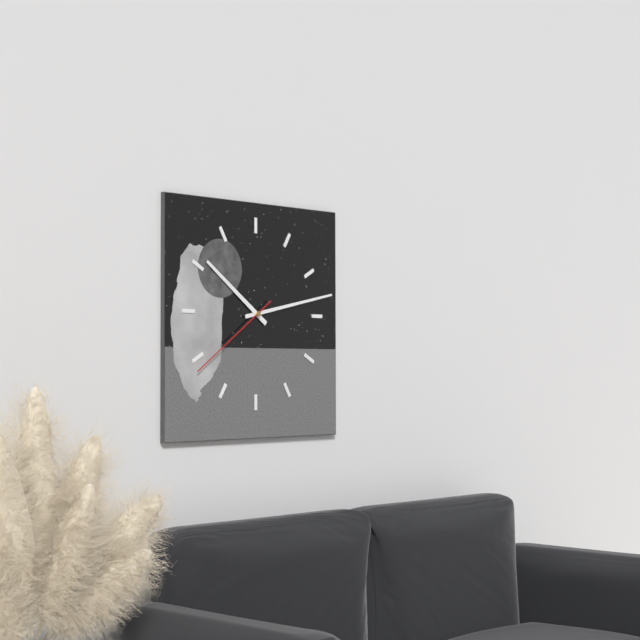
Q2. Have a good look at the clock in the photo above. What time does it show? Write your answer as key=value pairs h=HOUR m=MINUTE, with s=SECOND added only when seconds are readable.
h=10 m=13 s=39
